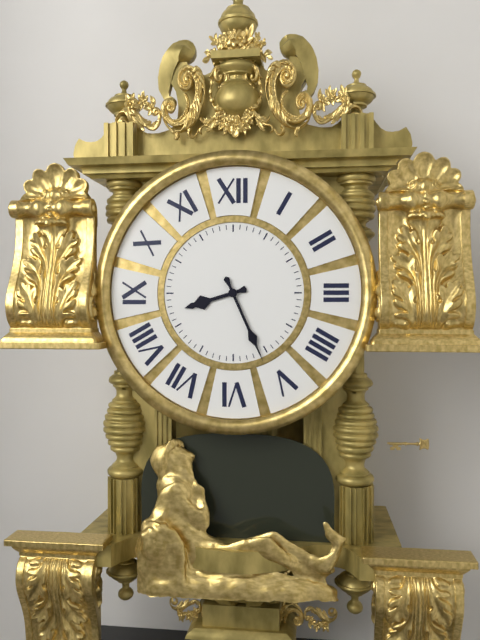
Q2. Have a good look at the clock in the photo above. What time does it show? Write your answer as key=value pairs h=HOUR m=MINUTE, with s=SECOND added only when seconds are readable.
h=8 m=26
